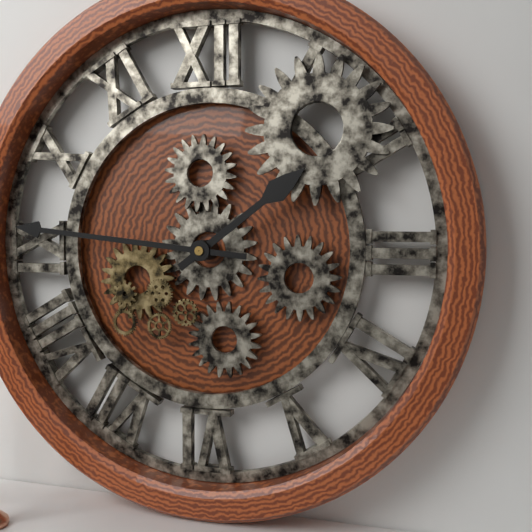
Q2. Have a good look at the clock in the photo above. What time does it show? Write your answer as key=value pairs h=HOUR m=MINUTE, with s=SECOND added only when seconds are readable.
h=1 m=46
